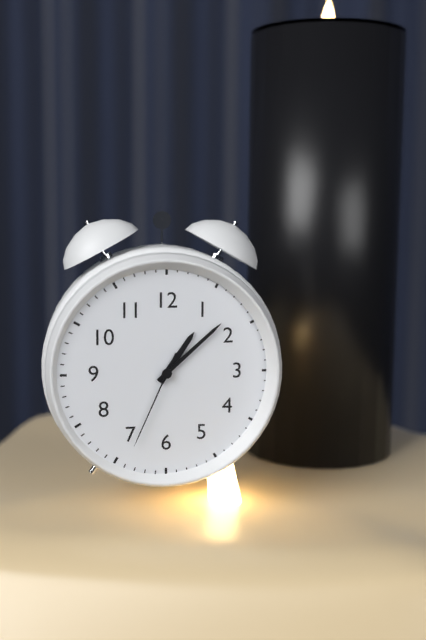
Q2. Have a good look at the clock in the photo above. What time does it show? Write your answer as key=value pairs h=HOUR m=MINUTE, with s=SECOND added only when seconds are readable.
h=1 m=8 s=34
